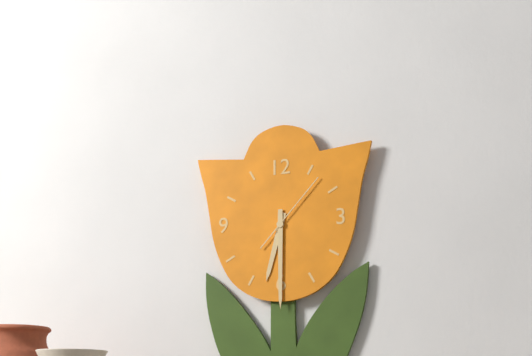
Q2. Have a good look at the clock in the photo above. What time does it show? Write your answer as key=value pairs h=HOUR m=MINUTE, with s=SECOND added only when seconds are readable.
h=6 m=30 s=7
